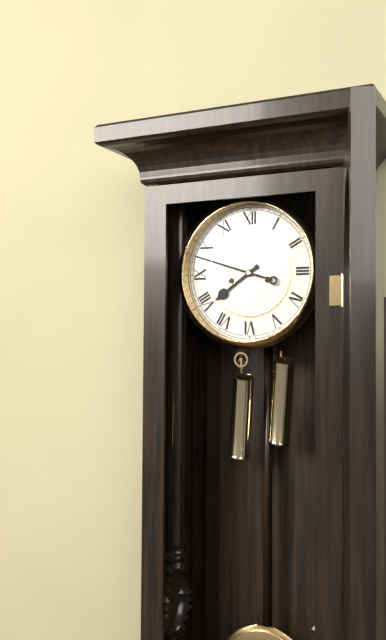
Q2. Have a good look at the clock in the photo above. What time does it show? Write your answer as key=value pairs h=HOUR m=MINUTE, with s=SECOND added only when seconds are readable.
h=7 m=48
